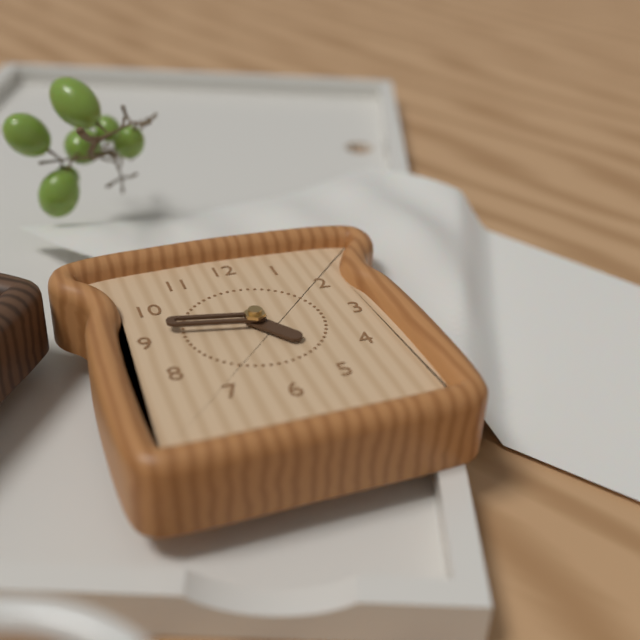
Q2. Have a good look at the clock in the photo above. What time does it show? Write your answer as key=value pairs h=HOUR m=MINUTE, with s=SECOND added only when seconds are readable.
h=4 m=47
